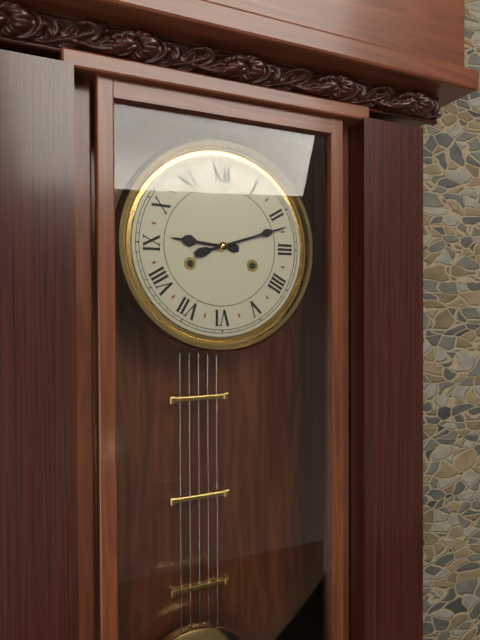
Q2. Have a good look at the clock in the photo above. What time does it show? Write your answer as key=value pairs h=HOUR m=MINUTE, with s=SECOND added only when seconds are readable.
h=9 m=12
